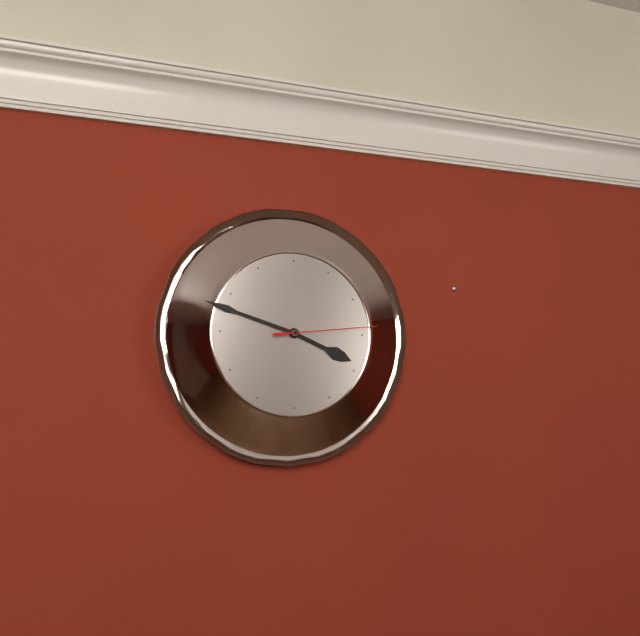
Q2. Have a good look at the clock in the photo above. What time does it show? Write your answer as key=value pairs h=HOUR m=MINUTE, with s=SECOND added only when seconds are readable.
h=3 m=48 s=14
